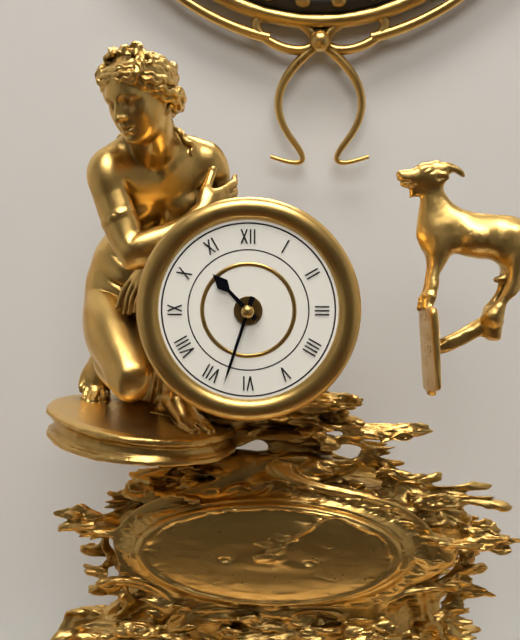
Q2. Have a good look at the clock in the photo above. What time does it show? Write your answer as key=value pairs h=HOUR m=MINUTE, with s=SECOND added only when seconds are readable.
h=10 m=33
